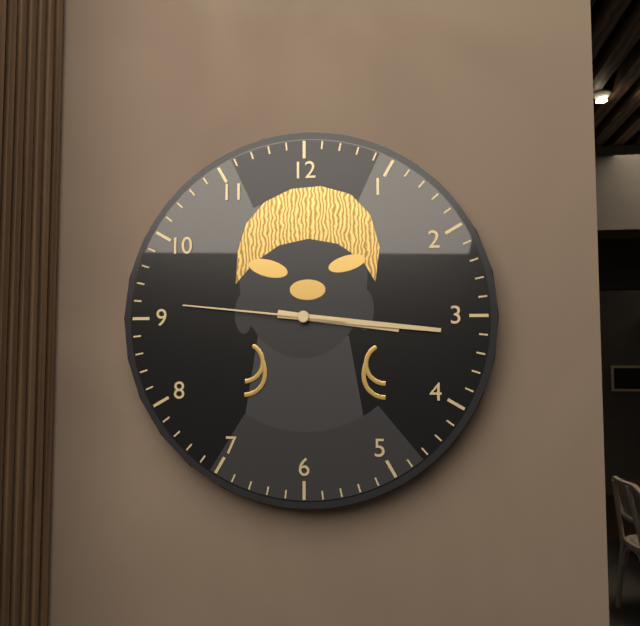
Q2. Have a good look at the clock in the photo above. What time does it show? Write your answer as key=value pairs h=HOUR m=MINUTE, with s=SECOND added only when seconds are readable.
h=3 m=16 s=46
